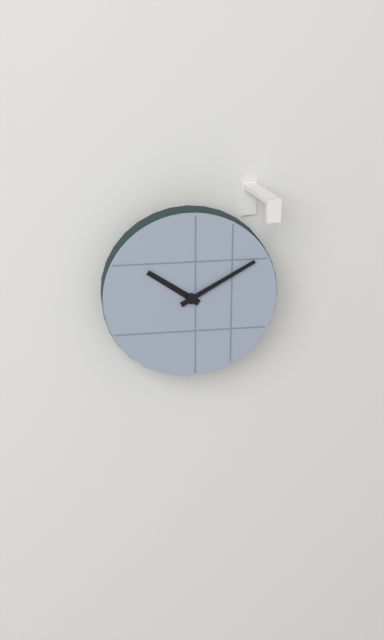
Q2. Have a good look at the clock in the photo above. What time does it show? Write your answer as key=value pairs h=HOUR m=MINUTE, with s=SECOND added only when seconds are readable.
h=10 m=10
